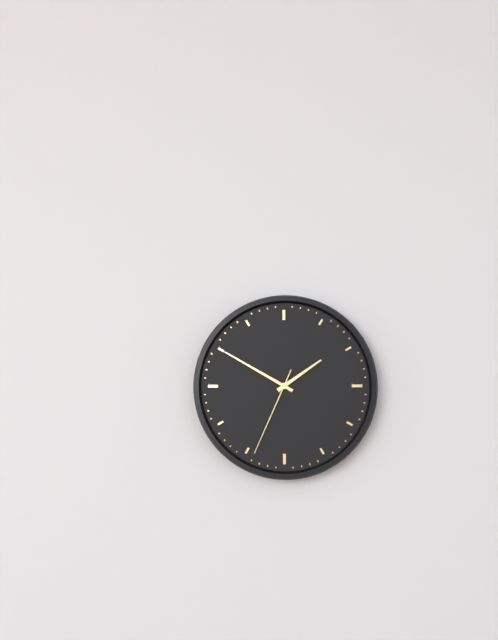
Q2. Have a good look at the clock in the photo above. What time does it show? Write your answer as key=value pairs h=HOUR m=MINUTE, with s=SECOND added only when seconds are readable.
h=1 m=50 s=34
